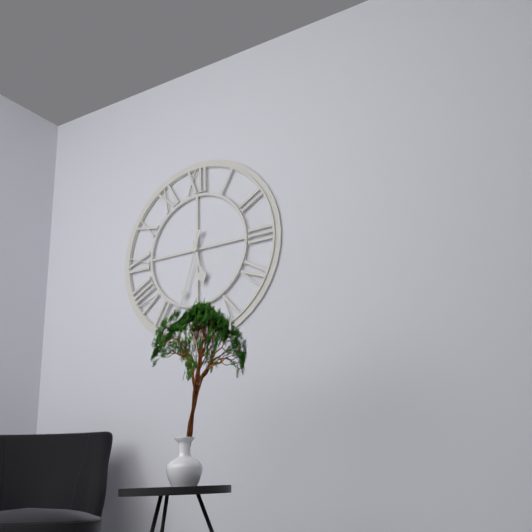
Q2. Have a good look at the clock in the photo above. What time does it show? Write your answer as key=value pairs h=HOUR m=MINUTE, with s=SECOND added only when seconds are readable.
h=5 m=33
